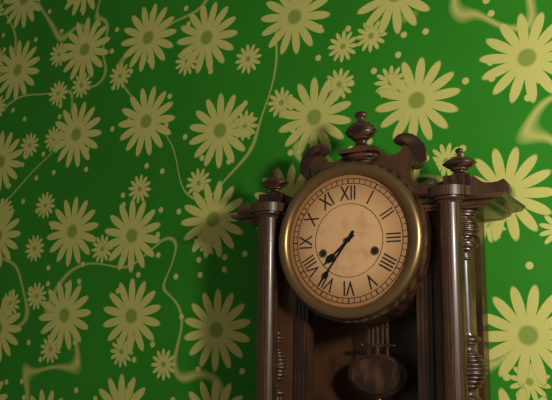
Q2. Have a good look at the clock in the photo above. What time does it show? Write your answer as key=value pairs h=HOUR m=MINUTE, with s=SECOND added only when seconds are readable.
h=7 m=36
